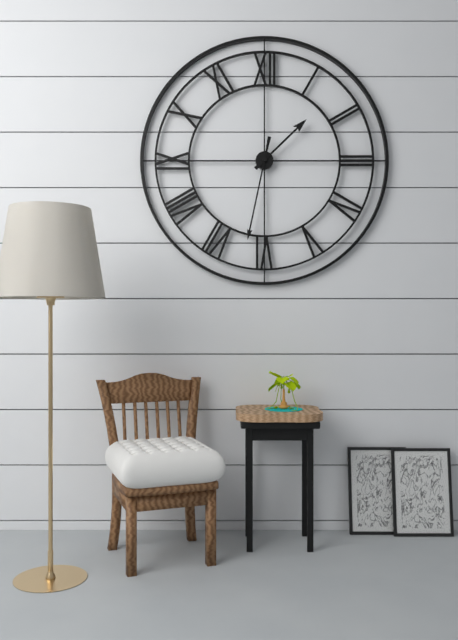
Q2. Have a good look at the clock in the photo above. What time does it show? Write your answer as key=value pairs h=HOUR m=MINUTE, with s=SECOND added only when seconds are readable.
h=1 m=32
